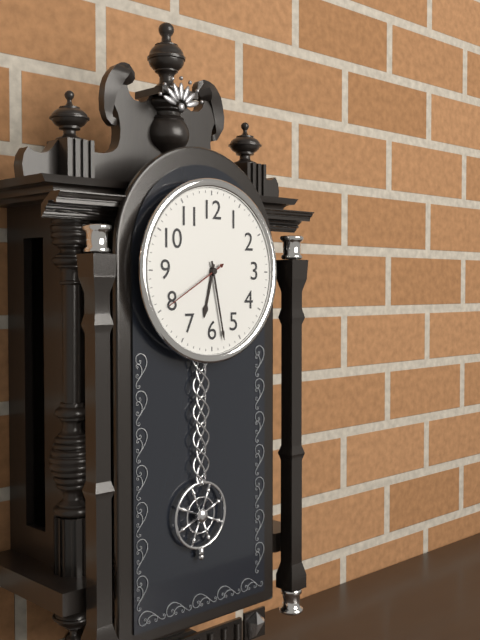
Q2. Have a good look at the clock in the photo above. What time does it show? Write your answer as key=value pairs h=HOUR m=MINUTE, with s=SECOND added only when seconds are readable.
h=6 m=28 s=40
